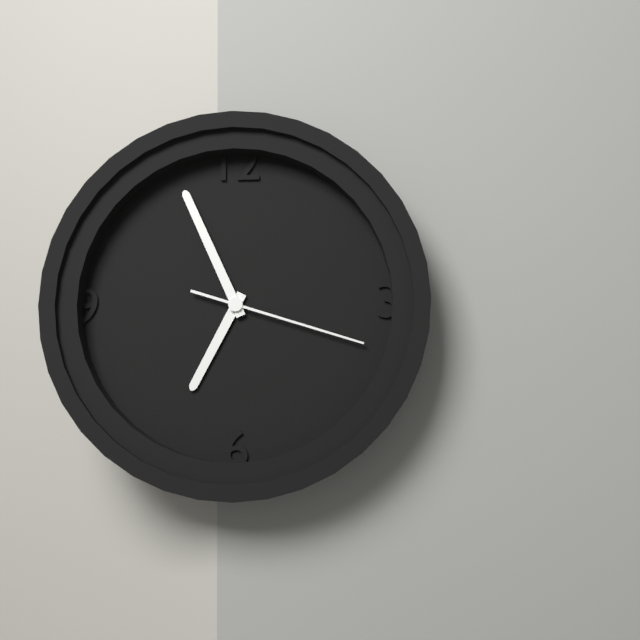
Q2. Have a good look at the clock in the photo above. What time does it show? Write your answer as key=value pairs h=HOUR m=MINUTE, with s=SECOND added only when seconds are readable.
h=6 m=56 s=18
